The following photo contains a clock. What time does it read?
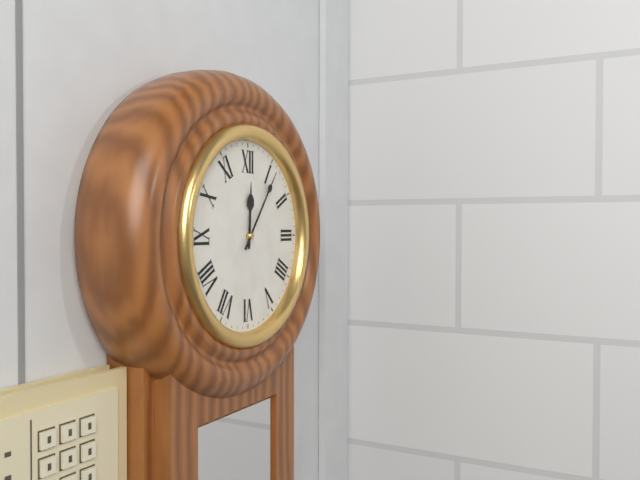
12:06
